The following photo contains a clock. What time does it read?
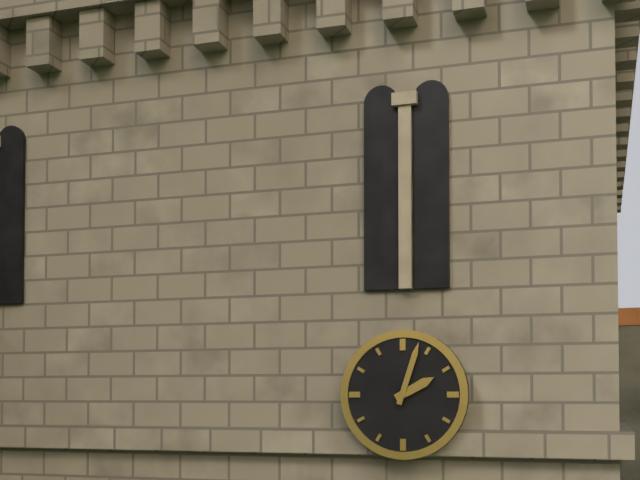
2:03
